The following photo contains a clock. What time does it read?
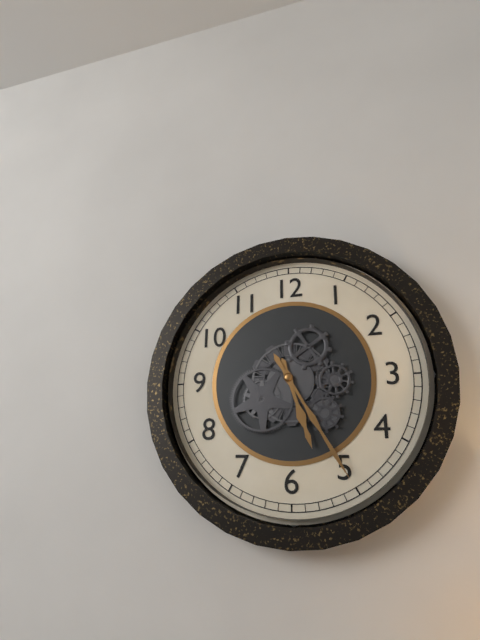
5:25
